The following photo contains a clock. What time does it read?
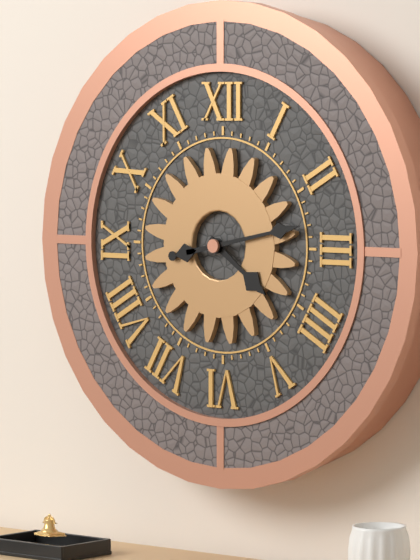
4:13
